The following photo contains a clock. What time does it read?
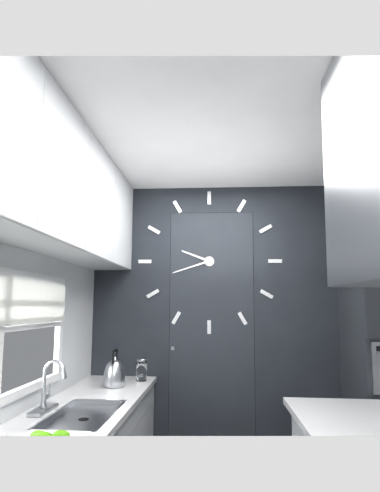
9:42
